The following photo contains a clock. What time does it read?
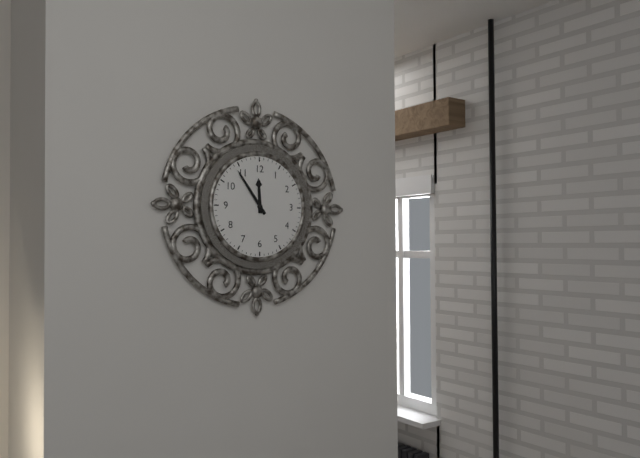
11:54
